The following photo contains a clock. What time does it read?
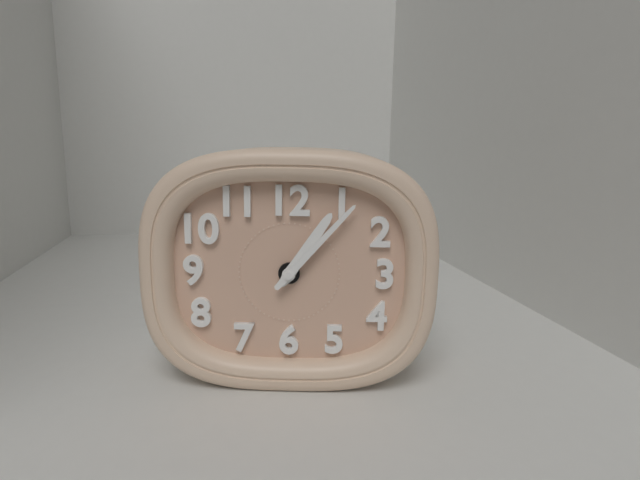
1:07
